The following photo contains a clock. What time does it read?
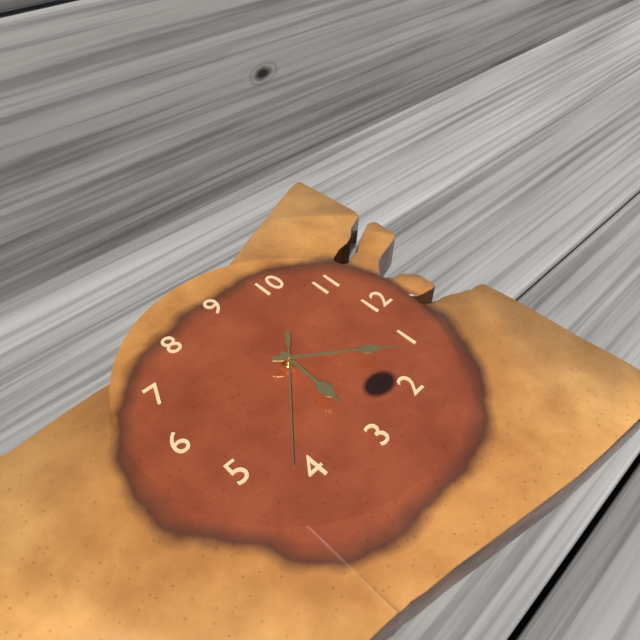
3:06:22
